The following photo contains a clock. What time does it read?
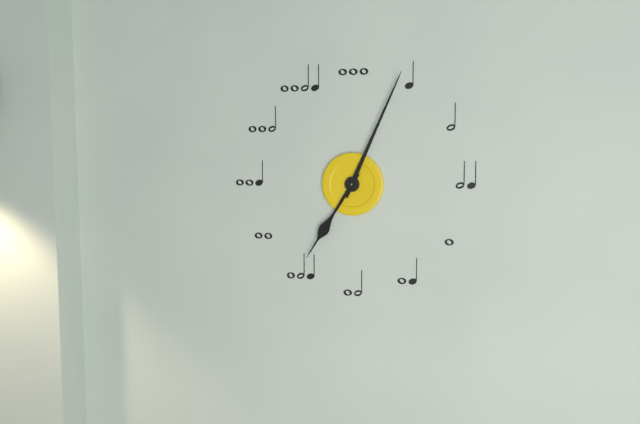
7:04
